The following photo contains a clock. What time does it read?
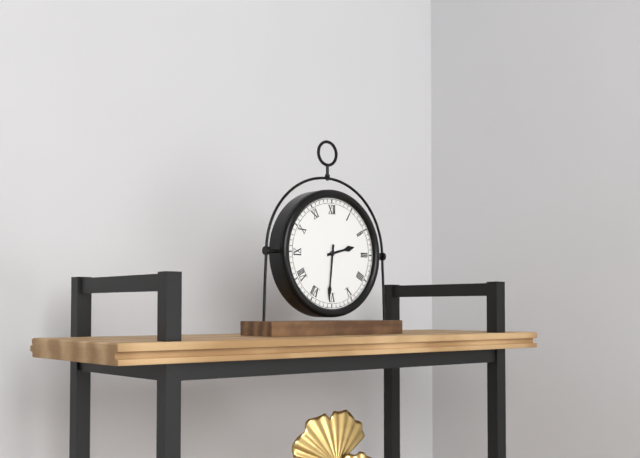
2:31
